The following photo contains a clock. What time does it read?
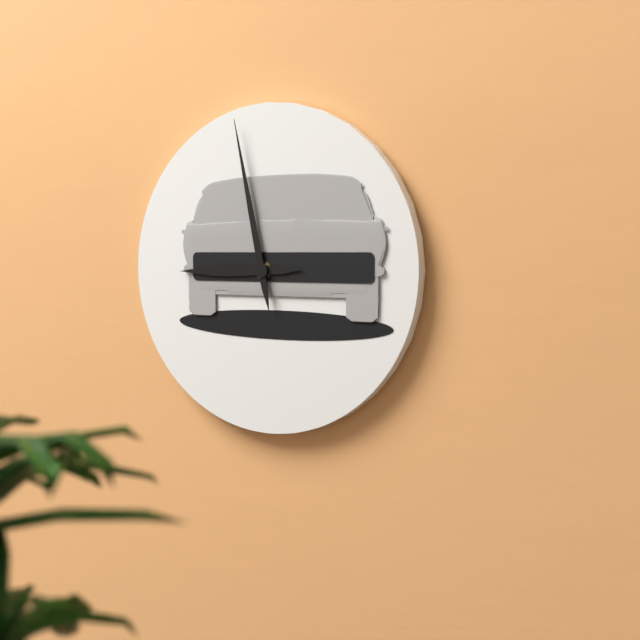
8:58
